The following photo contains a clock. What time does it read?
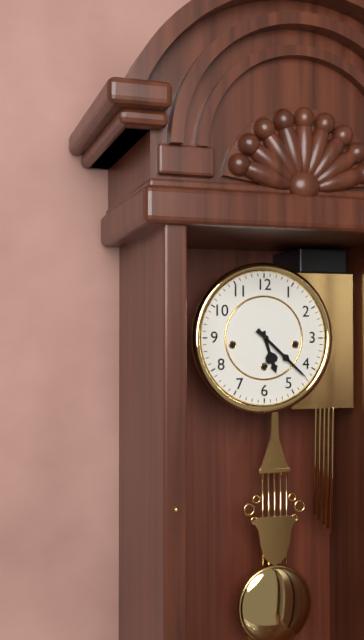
5:22
